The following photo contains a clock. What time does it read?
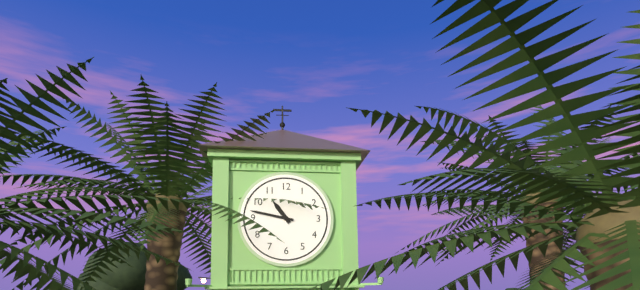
10:47
